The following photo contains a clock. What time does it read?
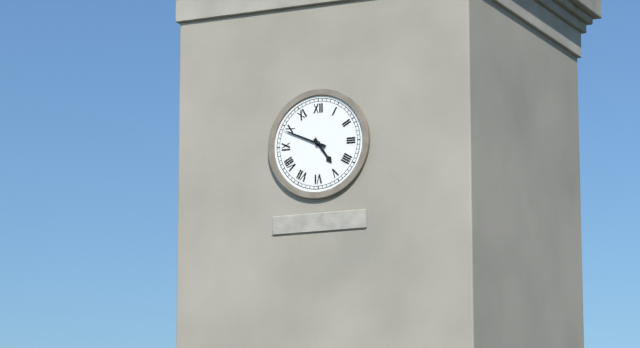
4:49
